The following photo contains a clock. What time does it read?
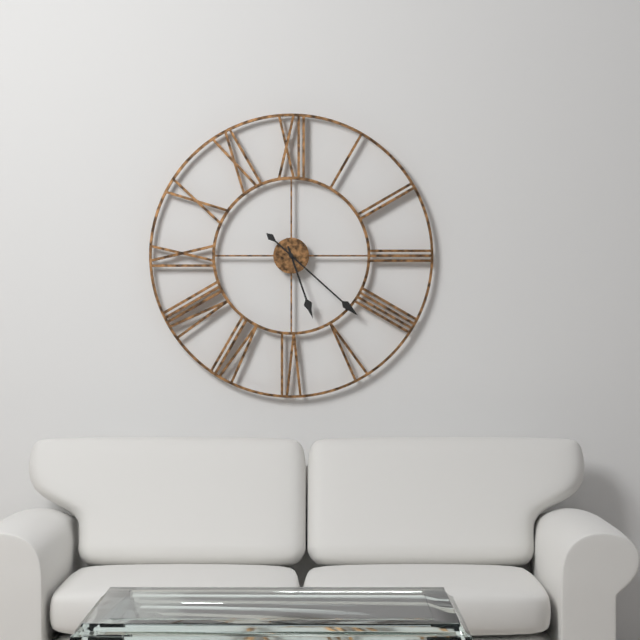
5:22
